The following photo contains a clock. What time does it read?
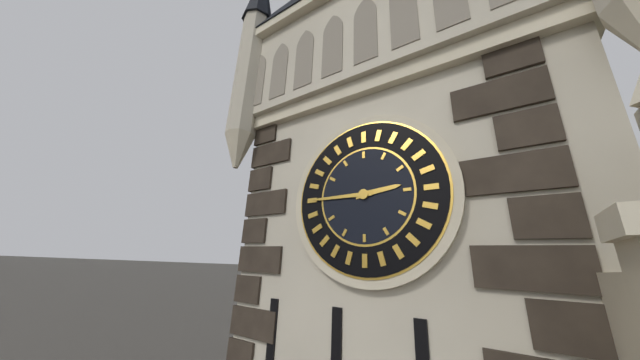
2:45
